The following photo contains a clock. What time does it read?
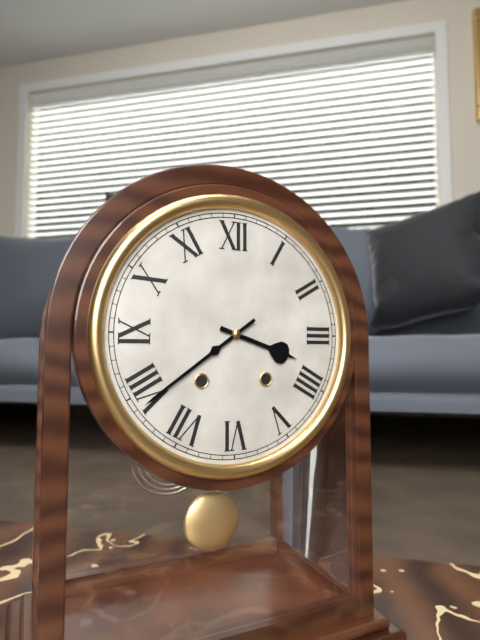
3:39
